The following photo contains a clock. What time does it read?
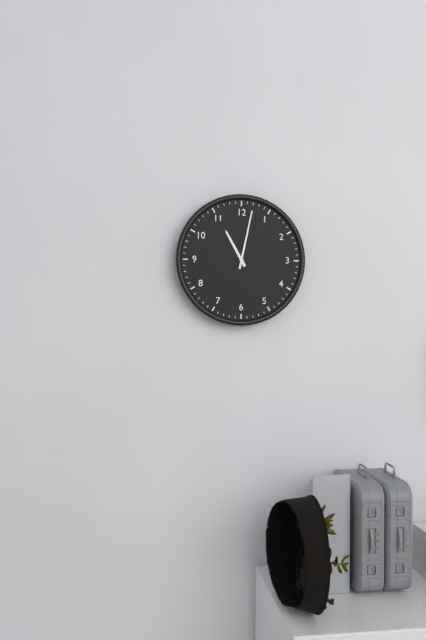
11:02
